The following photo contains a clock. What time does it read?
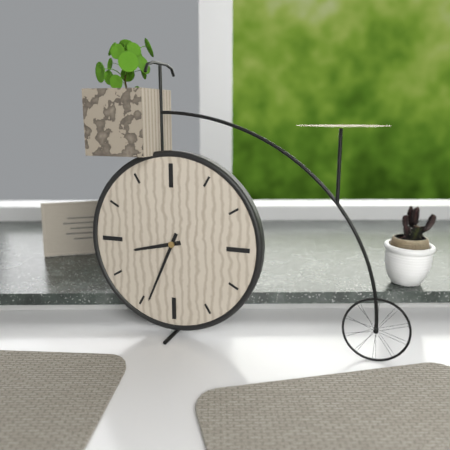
8:34
